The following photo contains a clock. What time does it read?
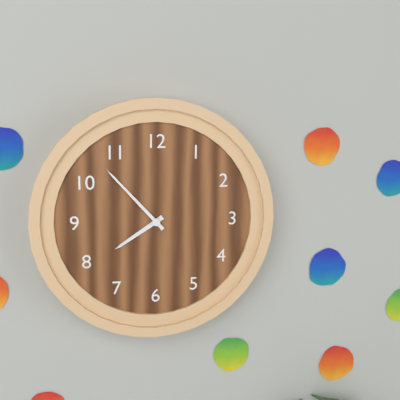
7:53
